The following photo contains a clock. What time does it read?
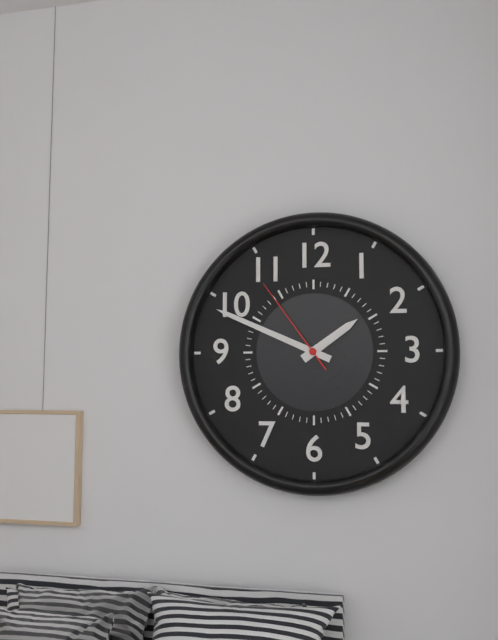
1:49:54
